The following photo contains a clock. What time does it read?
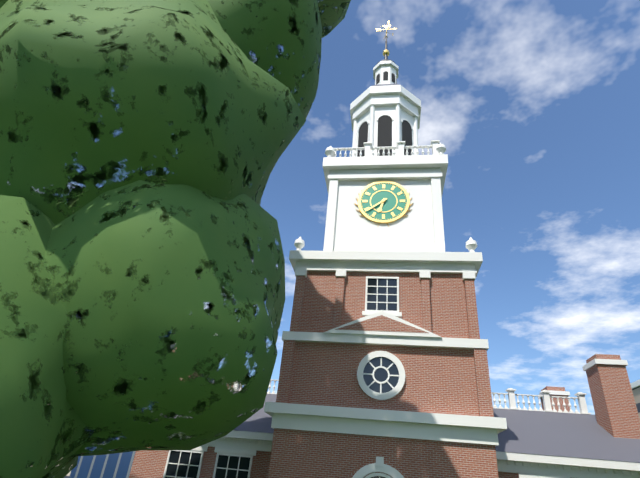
6:39
